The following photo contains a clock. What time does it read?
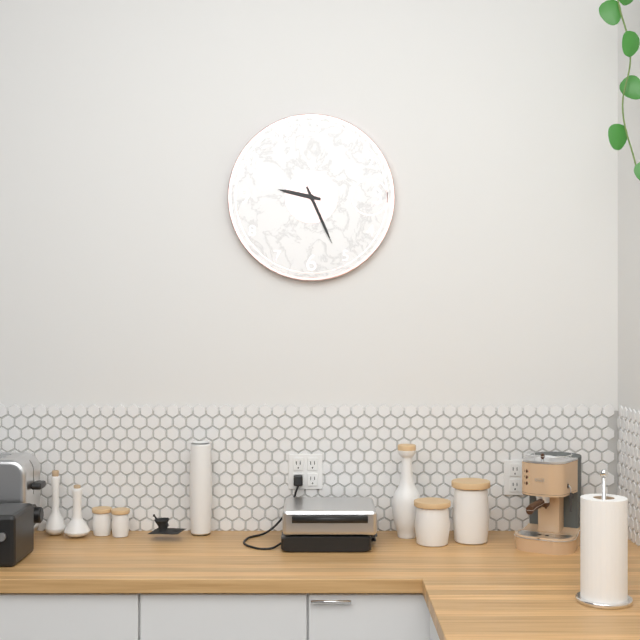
9:26
